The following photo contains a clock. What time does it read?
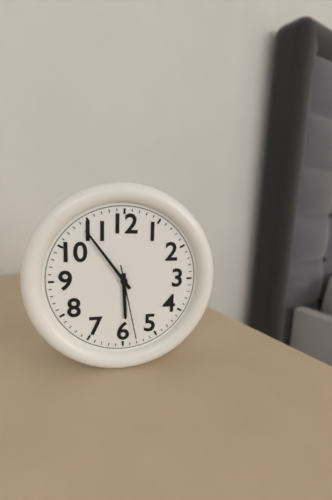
5:54:28
